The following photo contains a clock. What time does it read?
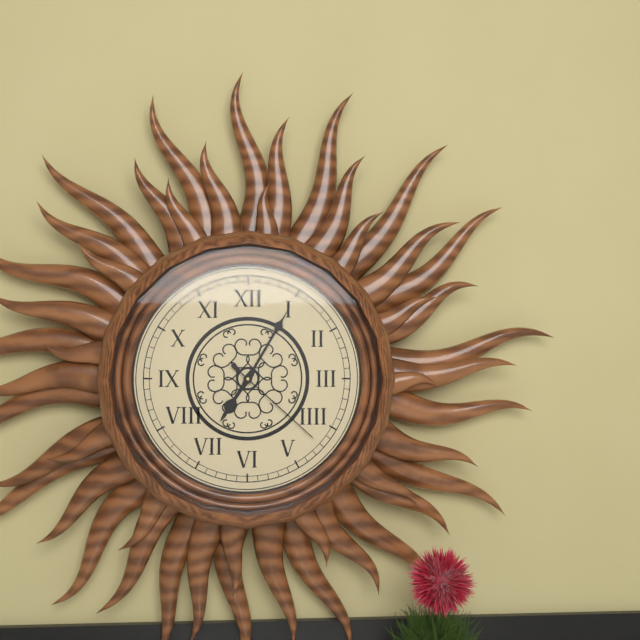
7:05:22
